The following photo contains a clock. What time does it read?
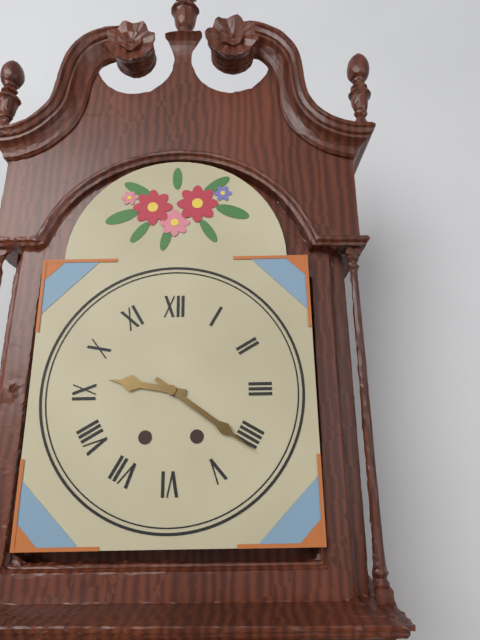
9:21
